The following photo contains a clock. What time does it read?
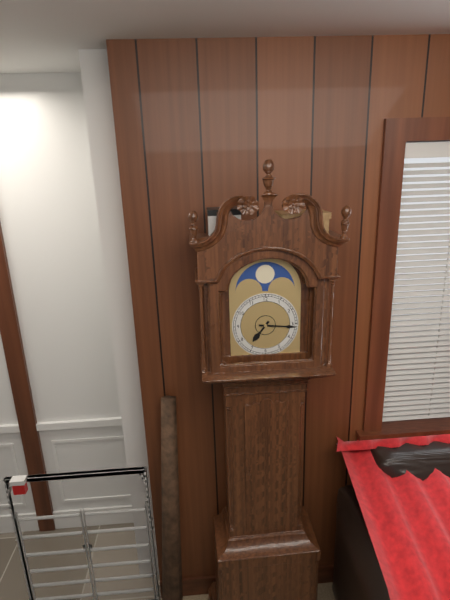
7:16
